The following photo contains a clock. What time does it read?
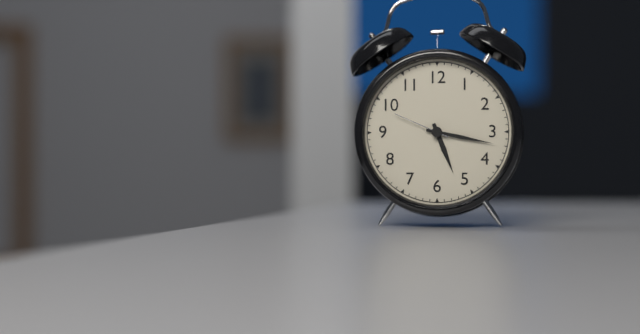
5:17:49
